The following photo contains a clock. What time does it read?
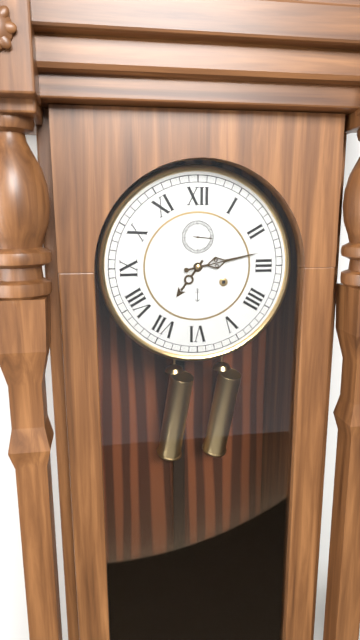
7:13
